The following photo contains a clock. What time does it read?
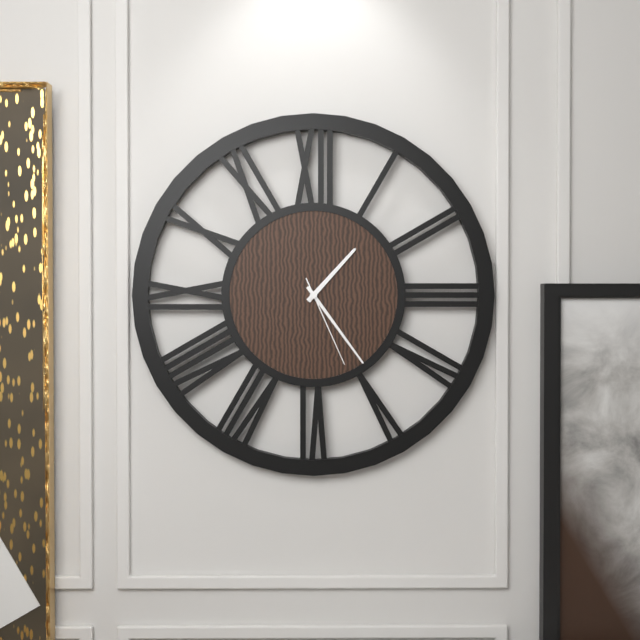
1:24:26
